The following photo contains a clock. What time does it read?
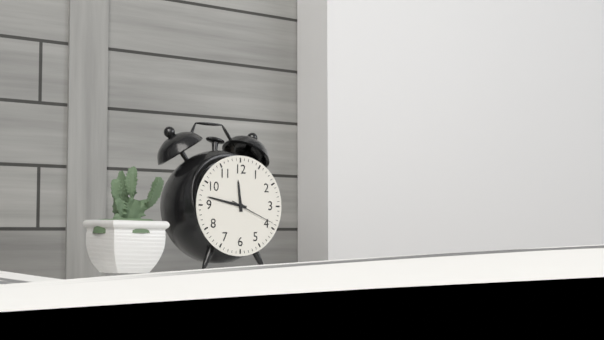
11:47
